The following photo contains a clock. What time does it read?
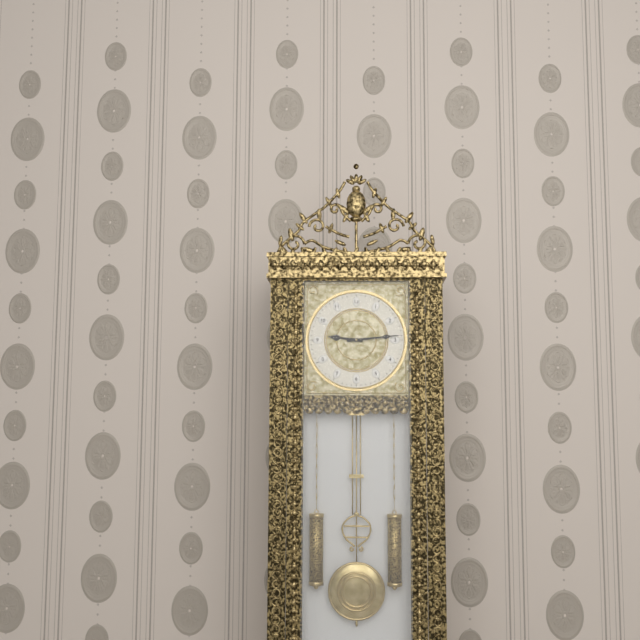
9:14
